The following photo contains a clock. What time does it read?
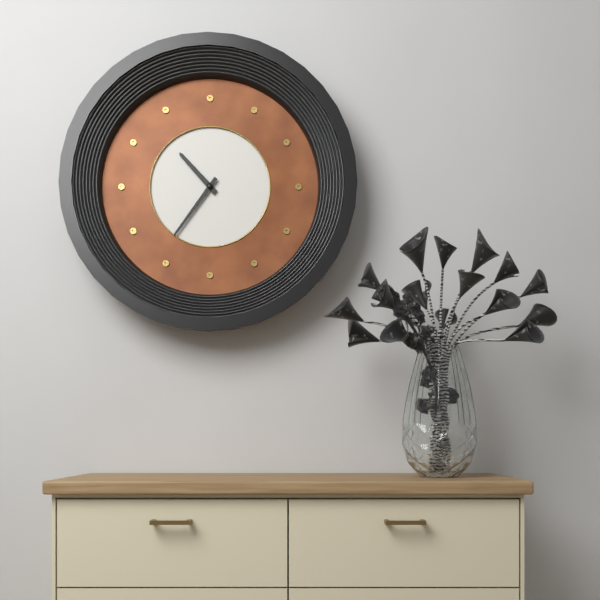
10:36
